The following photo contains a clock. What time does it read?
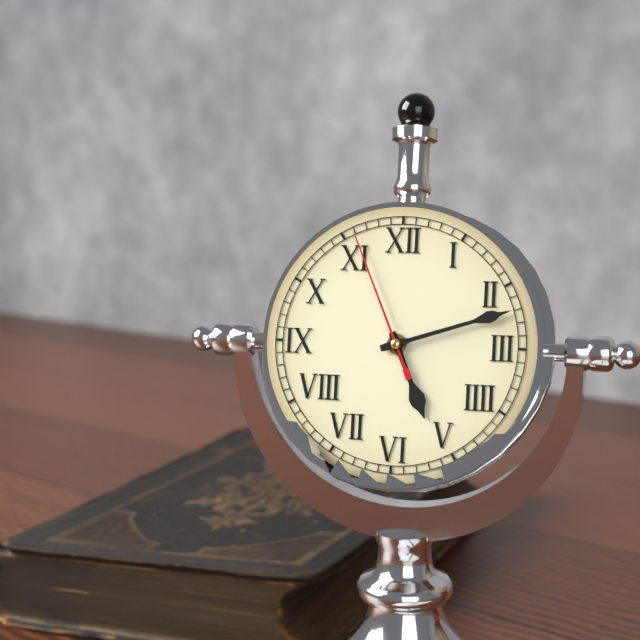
5:12:56
